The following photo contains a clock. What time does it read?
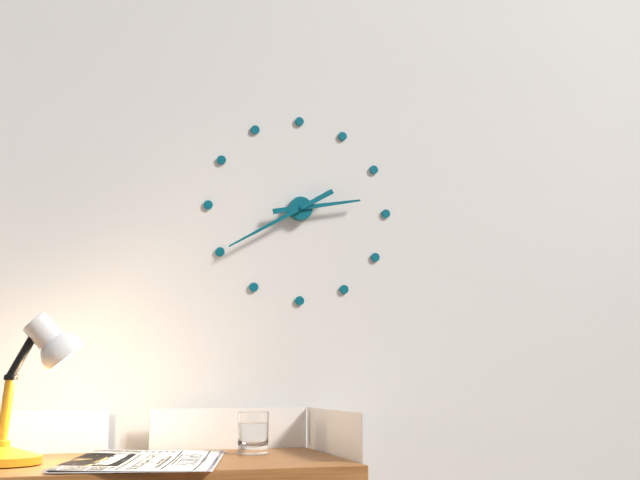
2:40
